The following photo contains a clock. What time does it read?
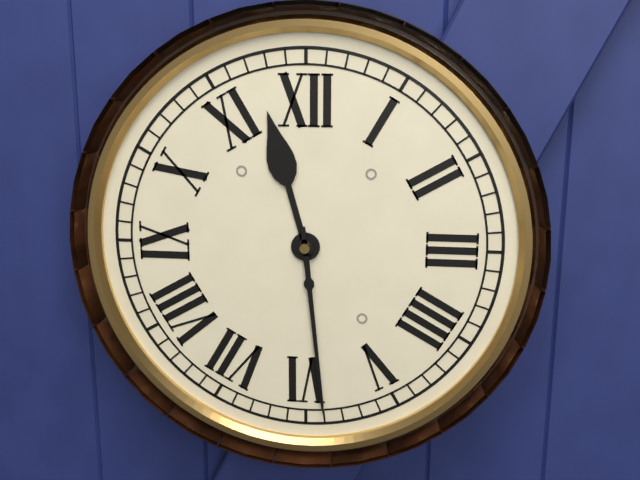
11:29
